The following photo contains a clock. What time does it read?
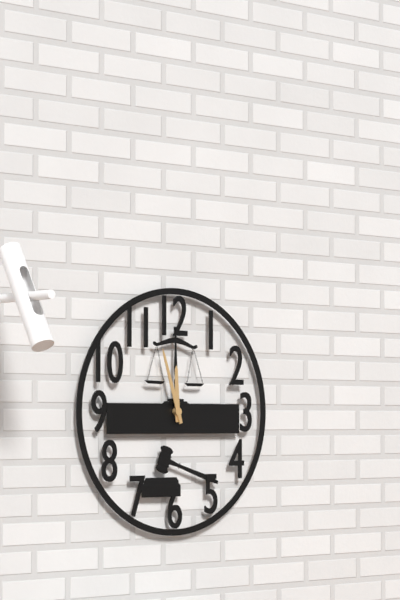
11:57
